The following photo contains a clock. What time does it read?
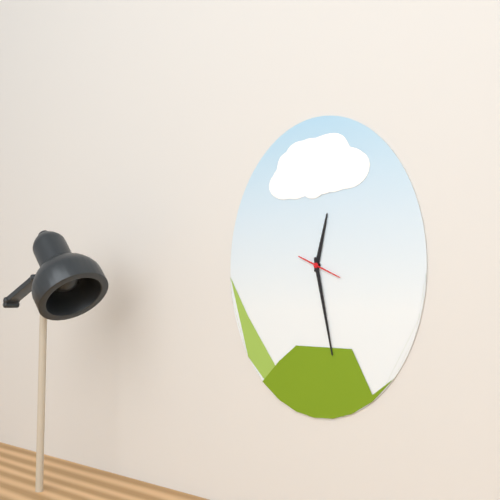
12:28
